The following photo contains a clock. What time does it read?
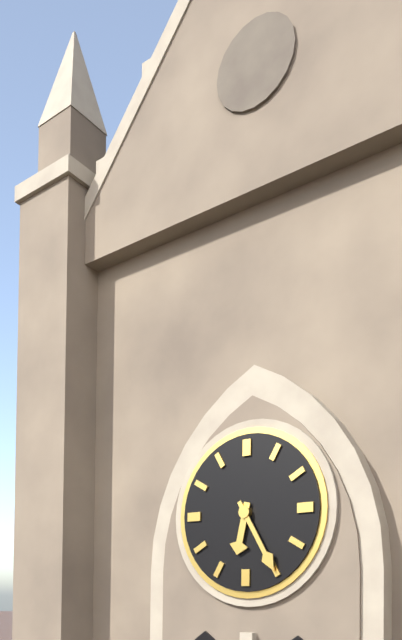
6:25
